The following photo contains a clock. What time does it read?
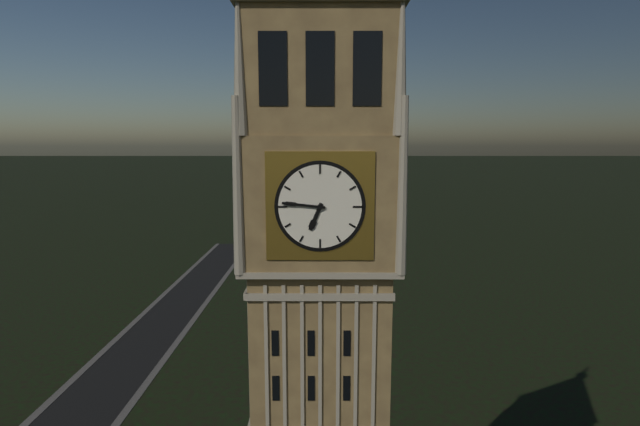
6:46
